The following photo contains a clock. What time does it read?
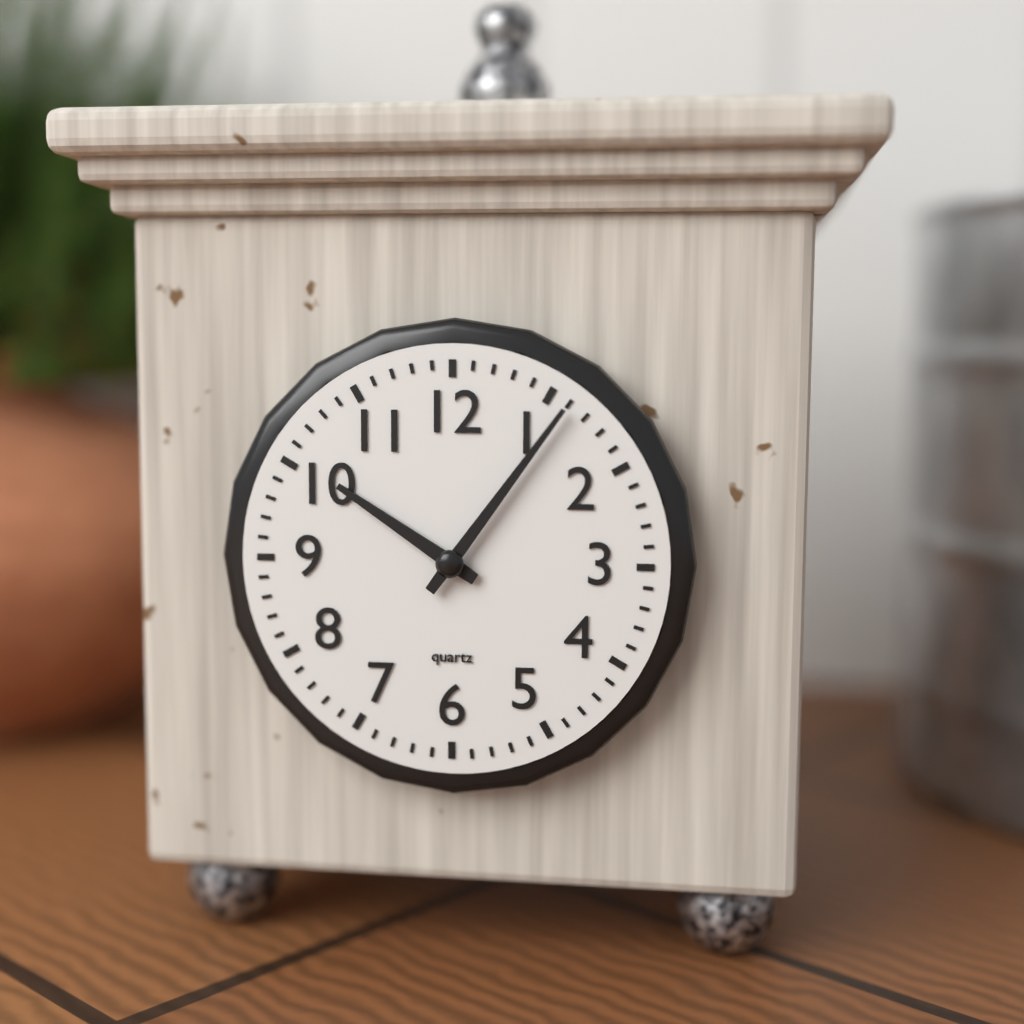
10:06
